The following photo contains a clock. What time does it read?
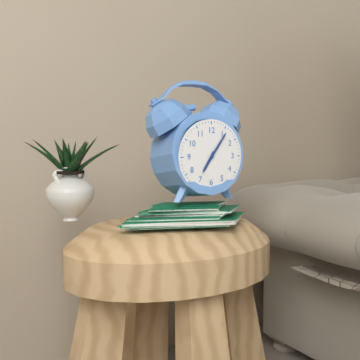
7:06
